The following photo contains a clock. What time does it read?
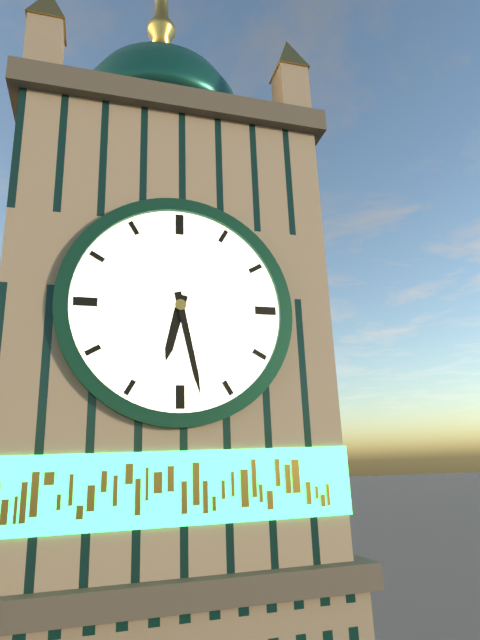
6:28
